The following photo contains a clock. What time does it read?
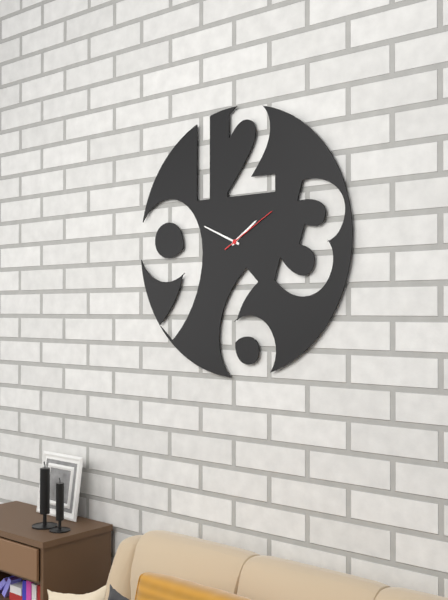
1:49:10
